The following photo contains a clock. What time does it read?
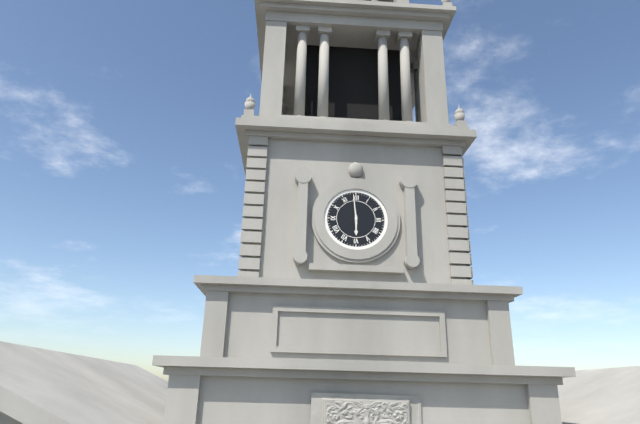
5:59
